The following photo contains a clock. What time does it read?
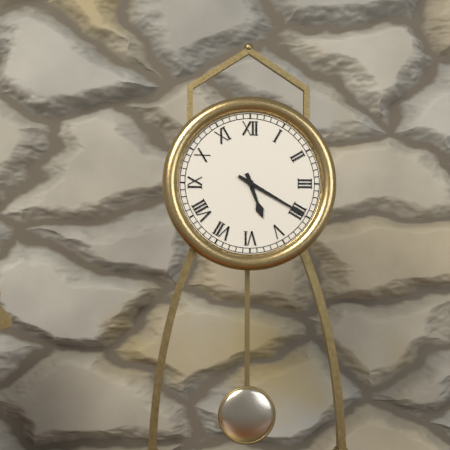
5:20
